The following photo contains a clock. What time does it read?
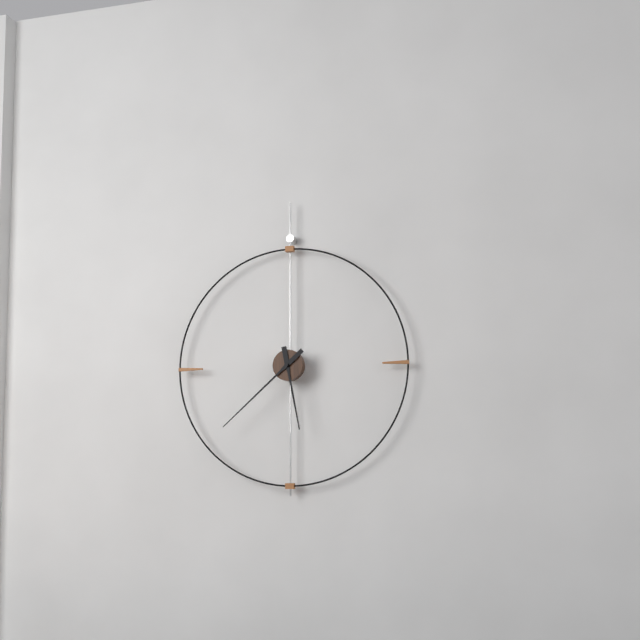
5:38
